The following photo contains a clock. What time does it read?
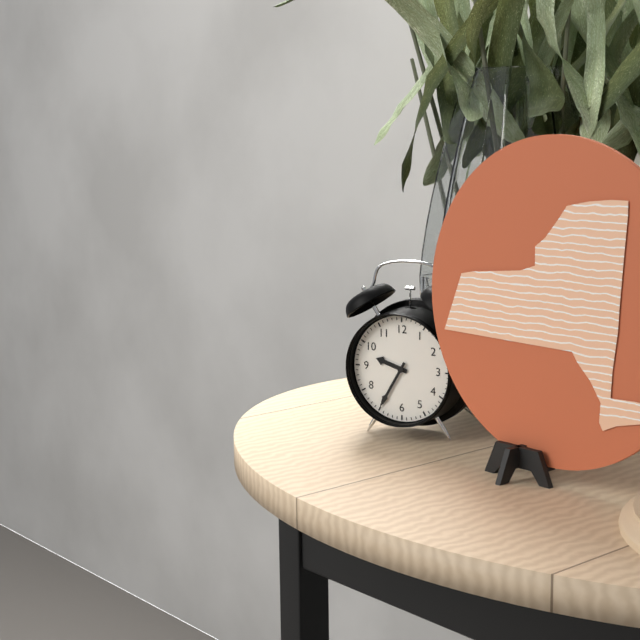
9:35
